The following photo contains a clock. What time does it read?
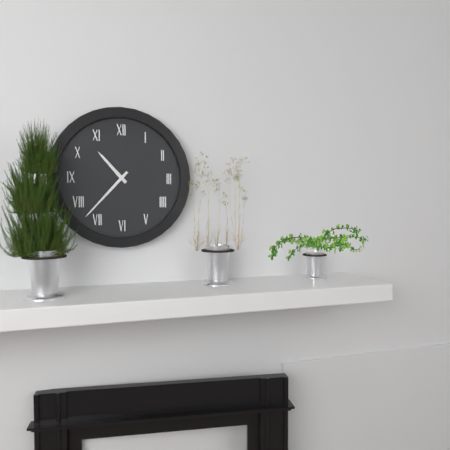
10:37
